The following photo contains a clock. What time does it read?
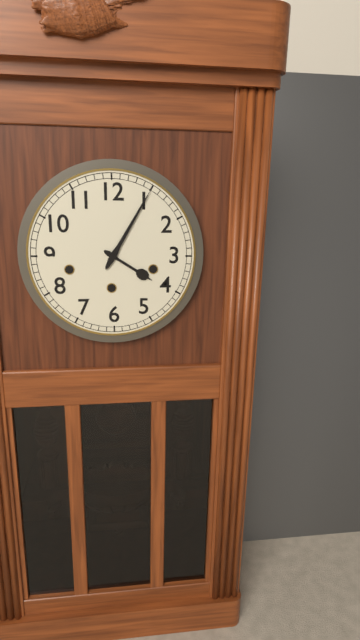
4:05
